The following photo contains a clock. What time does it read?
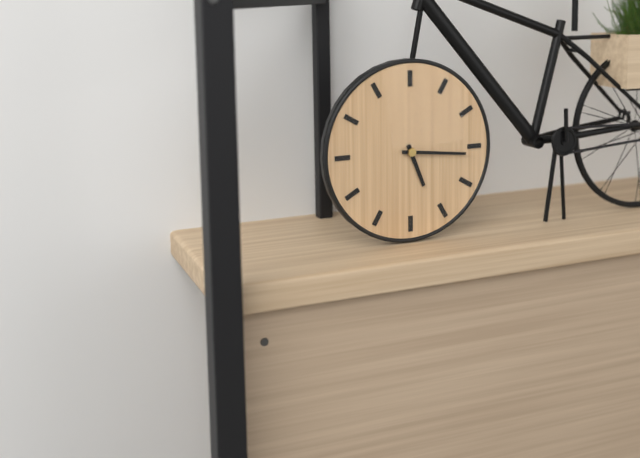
5:16
